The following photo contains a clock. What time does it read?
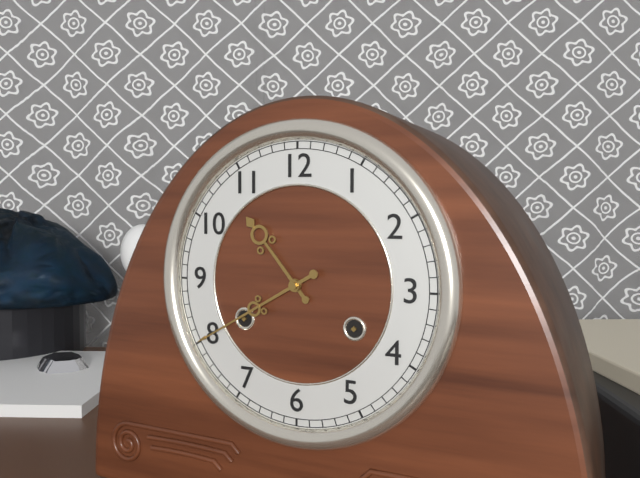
10:40
